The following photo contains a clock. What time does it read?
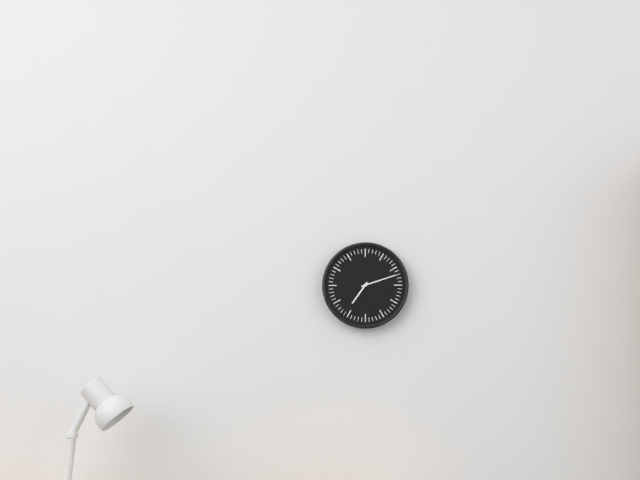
7:12
